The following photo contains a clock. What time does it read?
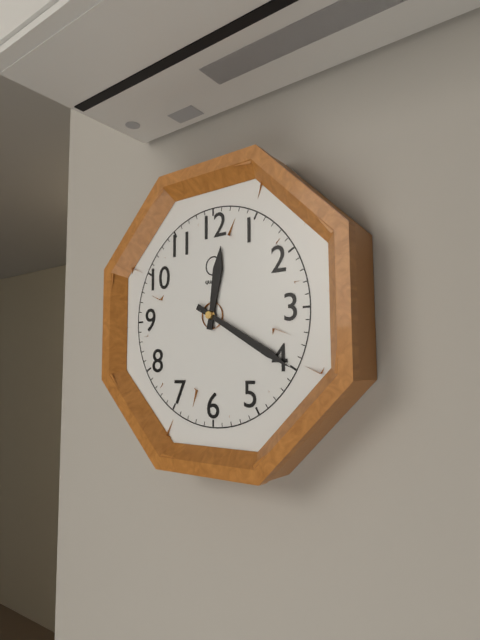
12:20
